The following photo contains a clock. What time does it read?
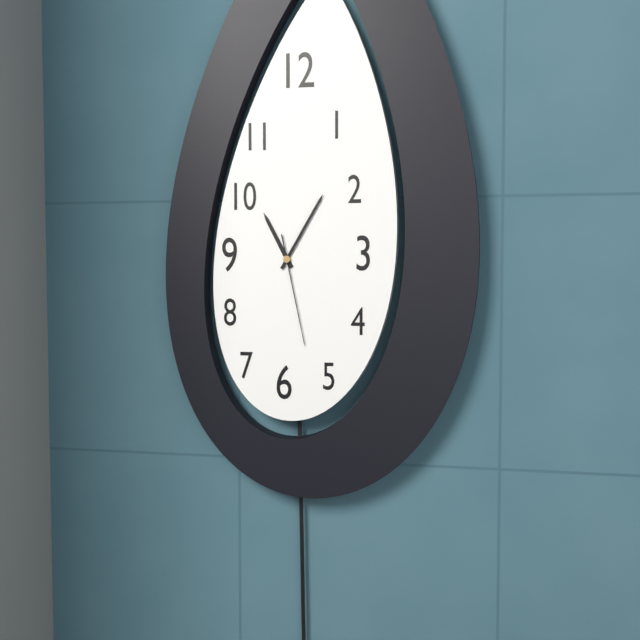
11:05:28
